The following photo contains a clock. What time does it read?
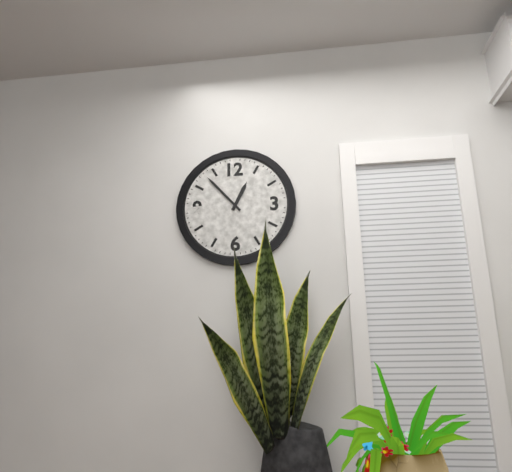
12:53
